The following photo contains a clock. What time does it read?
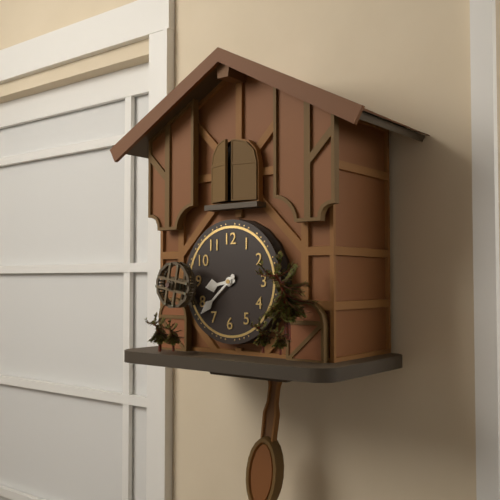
8:38
